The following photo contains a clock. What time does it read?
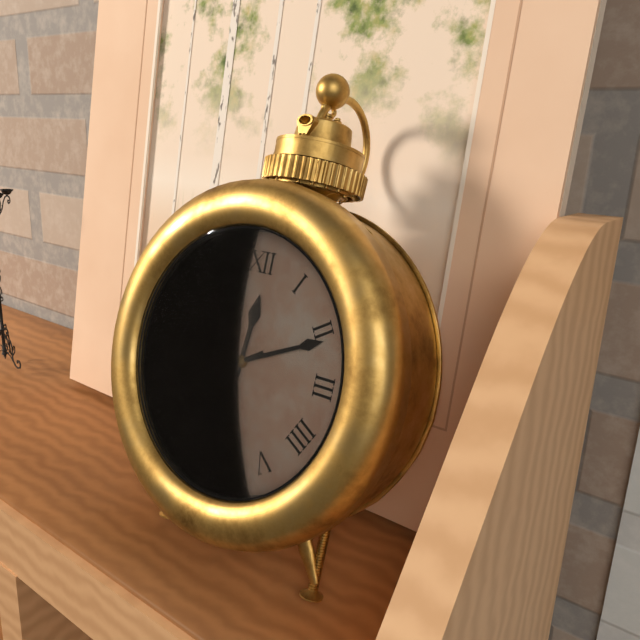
12:11:40
